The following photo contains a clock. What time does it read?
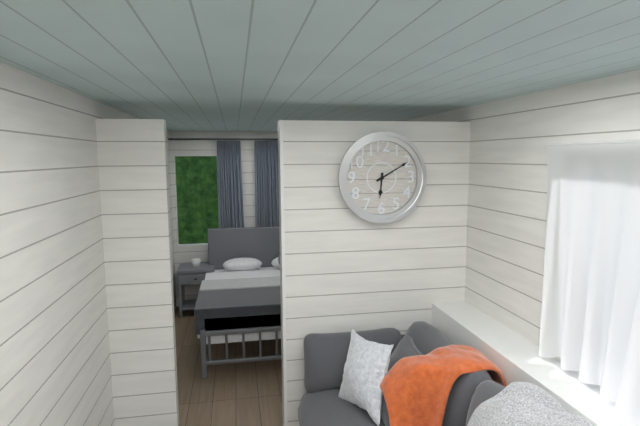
6:10
